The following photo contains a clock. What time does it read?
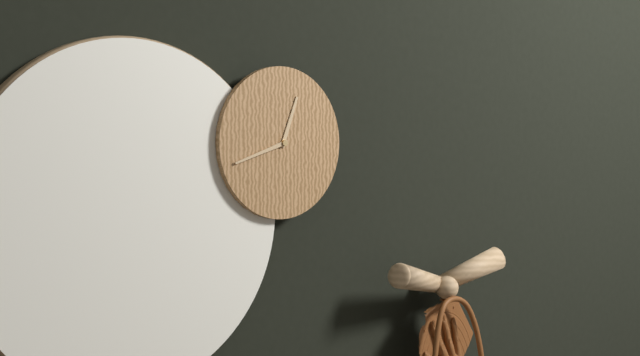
12:42
